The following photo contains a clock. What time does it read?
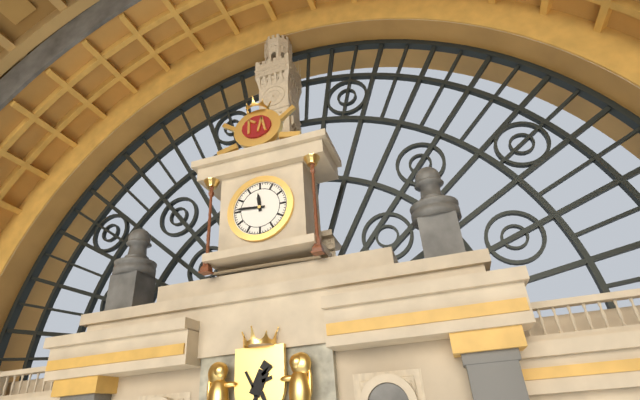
11:46
